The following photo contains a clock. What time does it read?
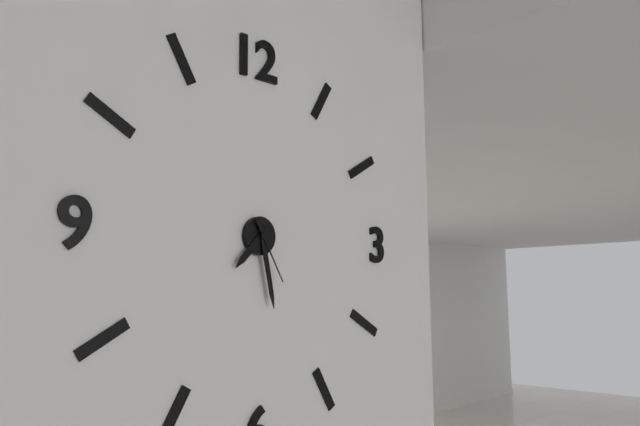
7:28:25
